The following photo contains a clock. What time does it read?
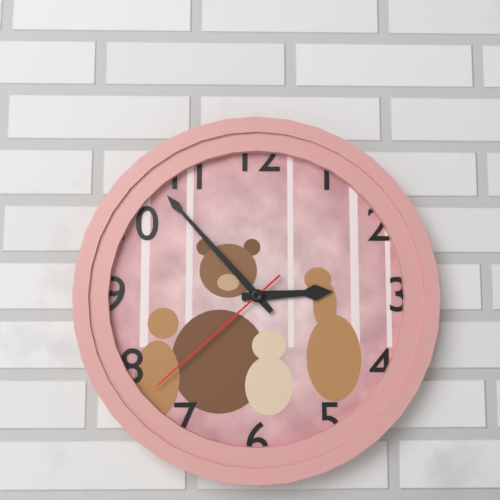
2:53:38
